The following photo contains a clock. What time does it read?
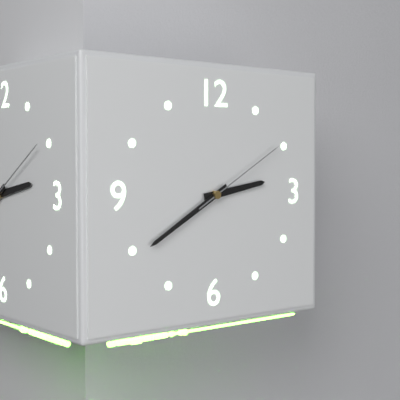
2:40:10
